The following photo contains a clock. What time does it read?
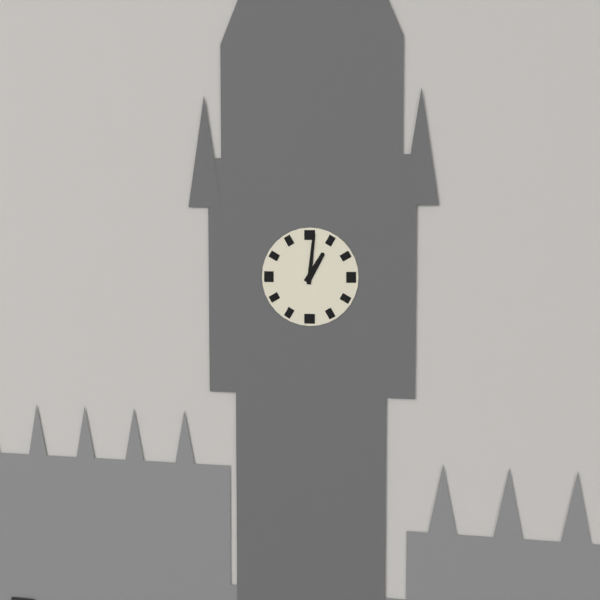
1:01
